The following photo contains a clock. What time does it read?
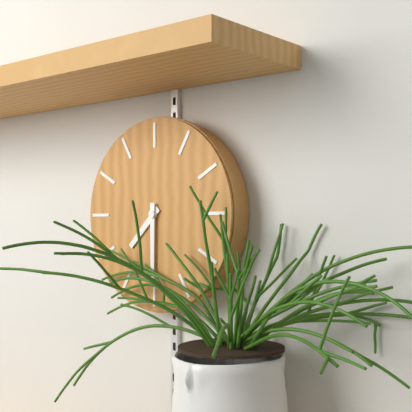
7:30
